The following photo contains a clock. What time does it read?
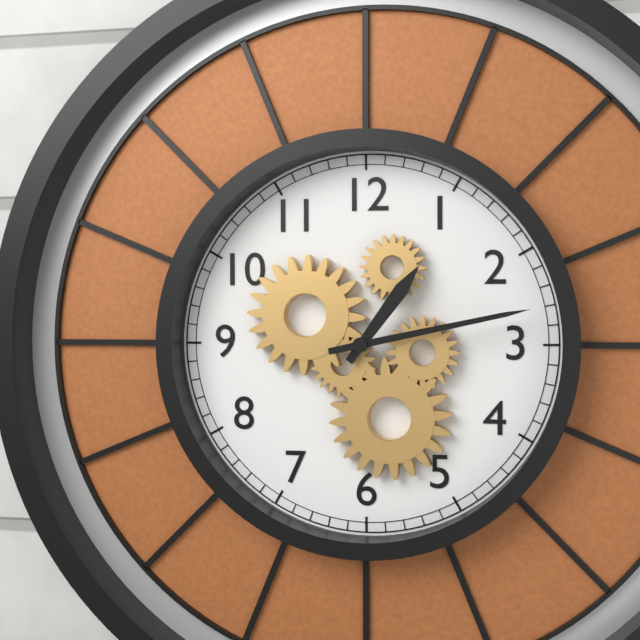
1:13
